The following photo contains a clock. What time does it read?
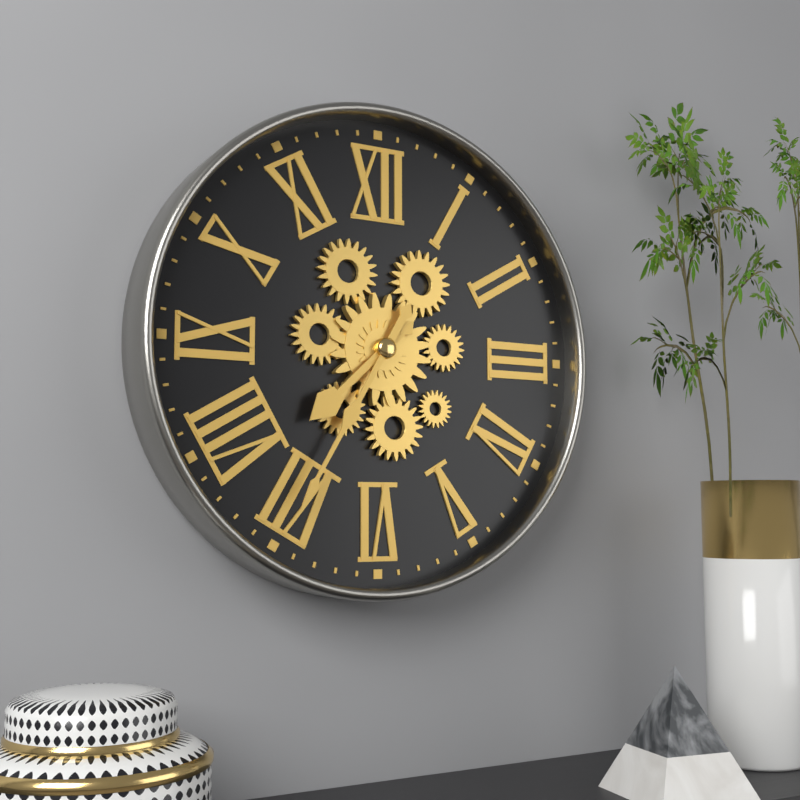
7:35
